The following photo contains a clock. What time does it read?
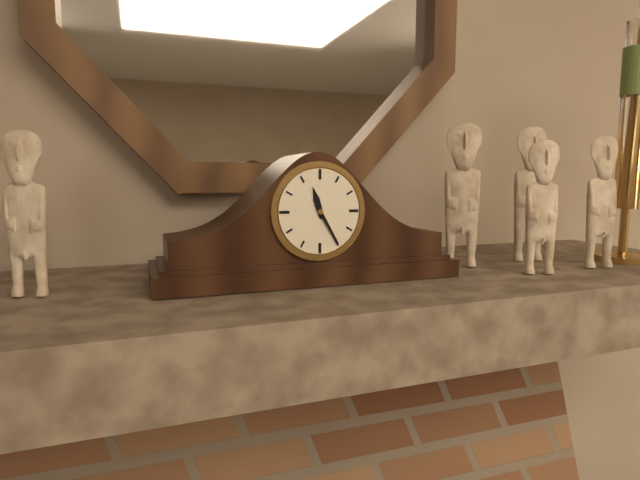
11:25
